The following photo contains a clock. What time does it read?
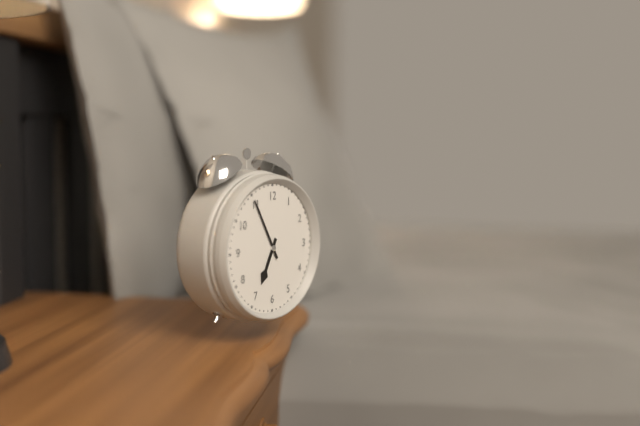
6:55
